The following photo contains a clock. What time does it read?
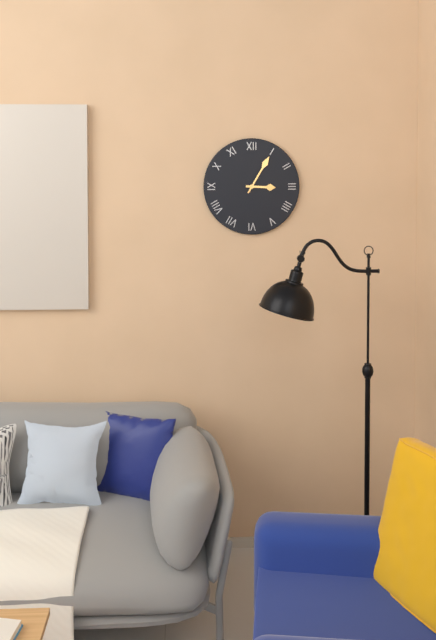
3:05
